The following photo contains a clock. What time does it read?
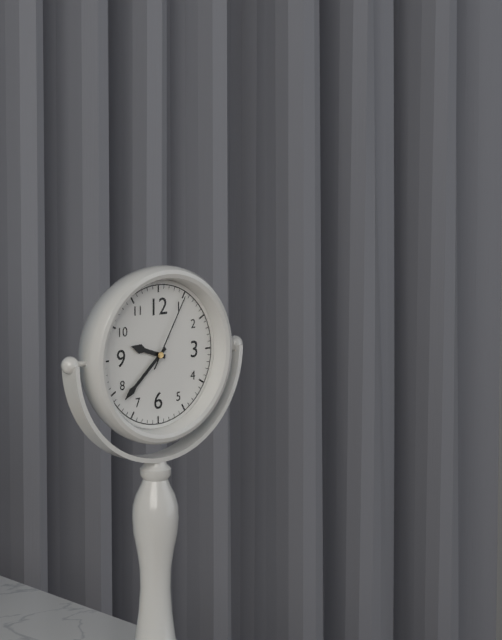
9:38:05
